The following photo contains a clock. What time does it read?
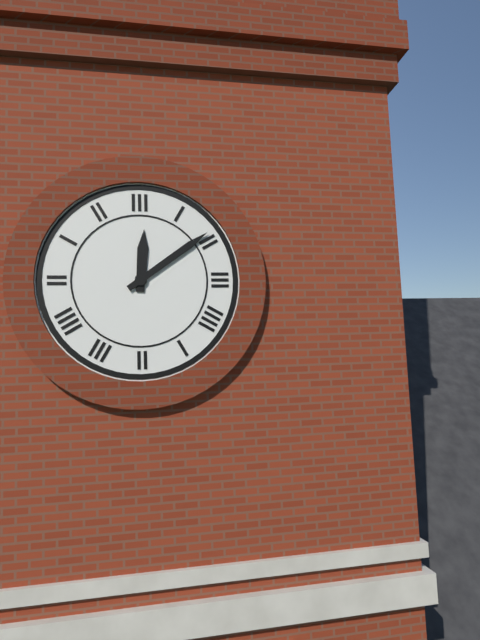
12:09
